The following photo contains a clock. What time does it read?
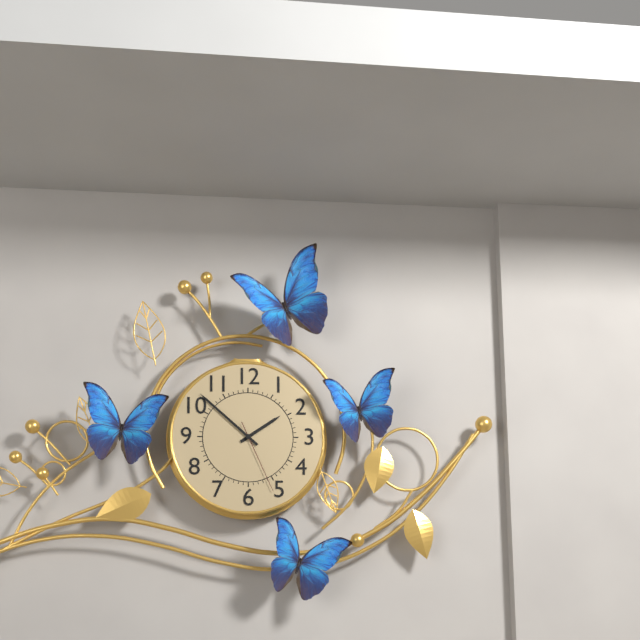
1:52:26
